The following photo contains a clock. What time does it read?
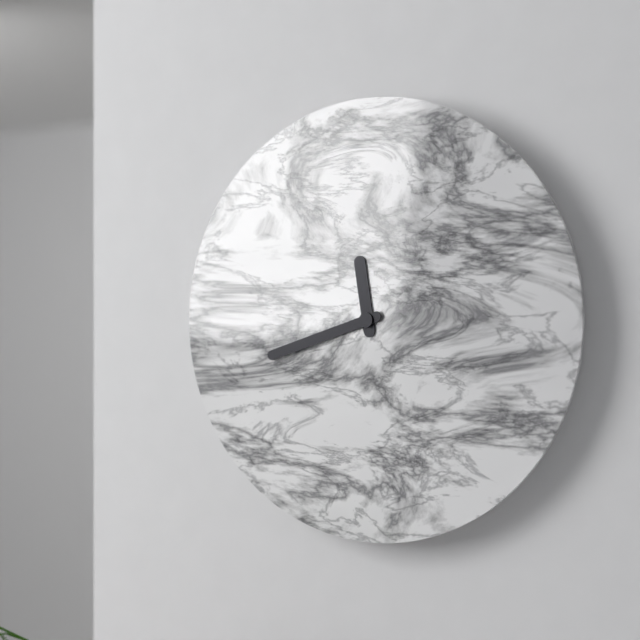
11:42
